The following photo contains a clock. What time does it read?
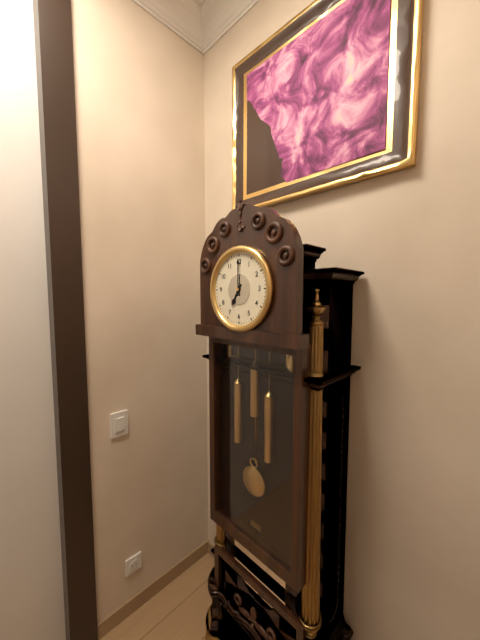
7:00
